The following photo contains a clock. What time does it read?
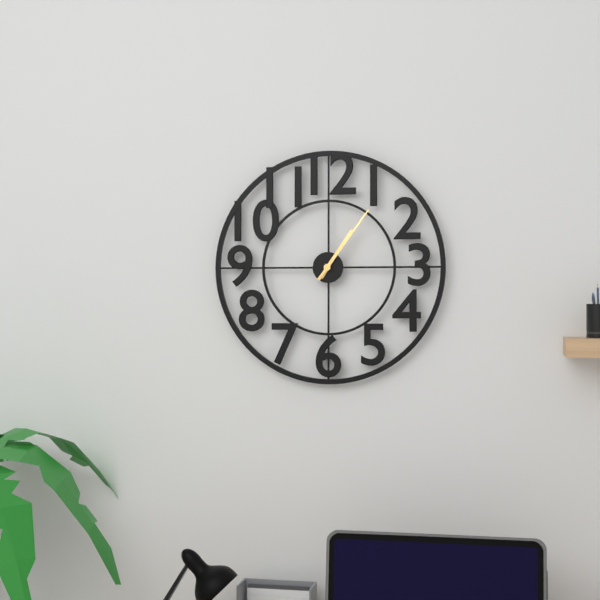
1:06
